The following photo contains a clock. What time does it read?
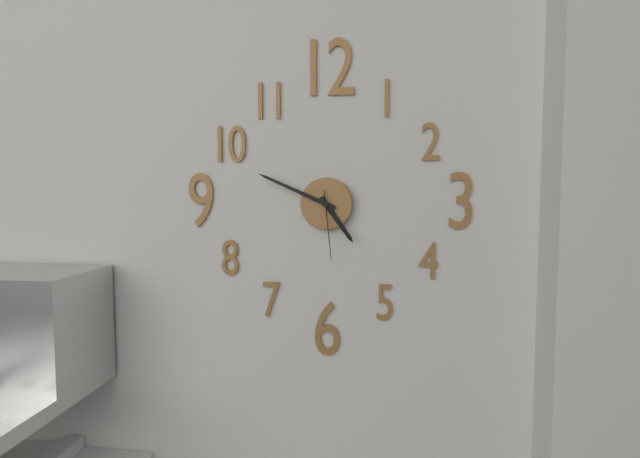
4:49:29
